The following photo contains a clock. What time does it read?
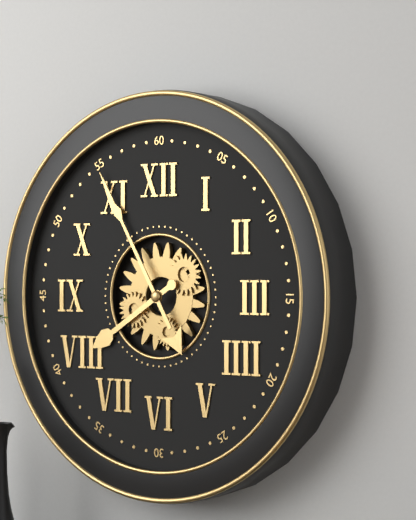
7:55
